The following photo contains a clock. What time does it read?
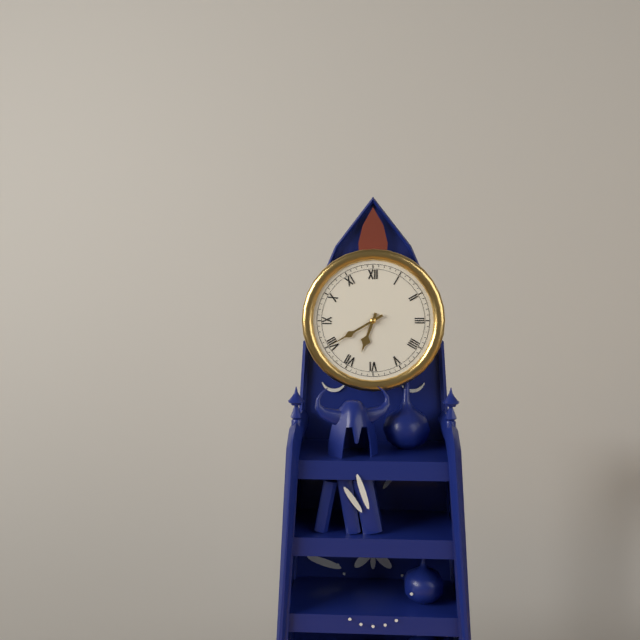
6:40
